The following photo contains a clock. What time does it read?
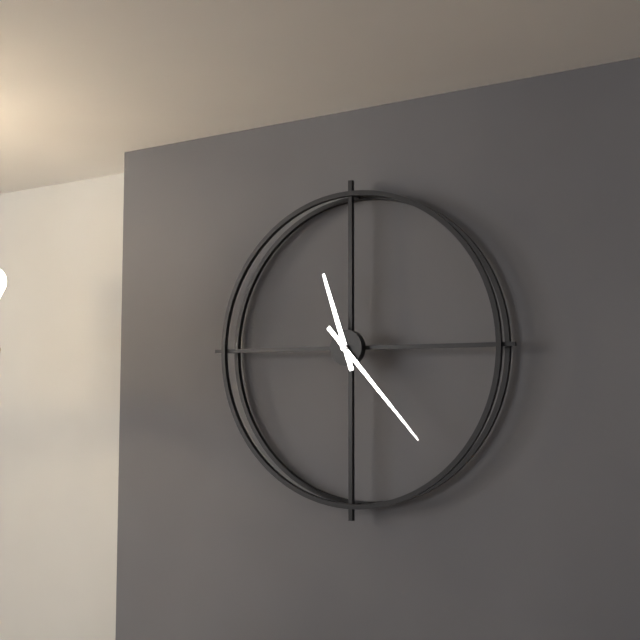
11:23
